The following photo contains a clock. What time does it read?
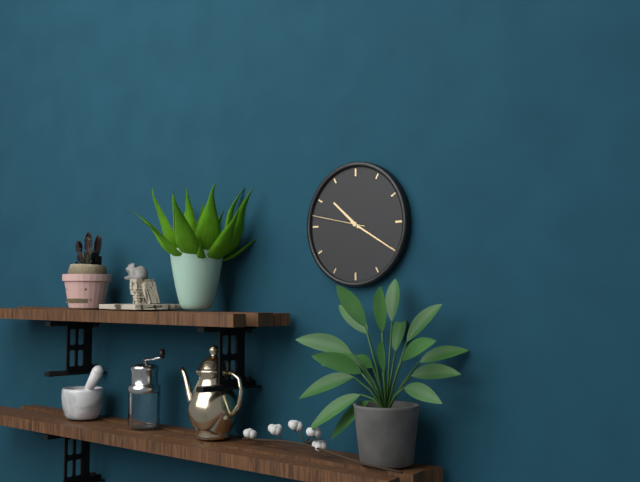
10:20:47
